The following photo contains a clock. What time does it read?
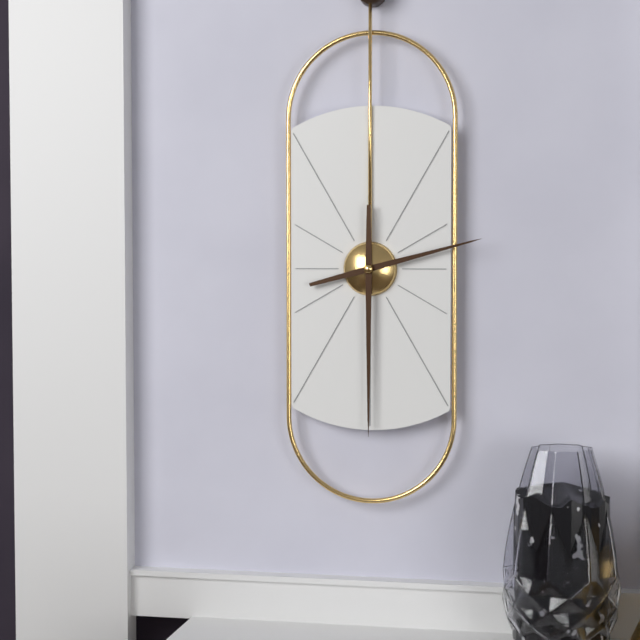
2:30
